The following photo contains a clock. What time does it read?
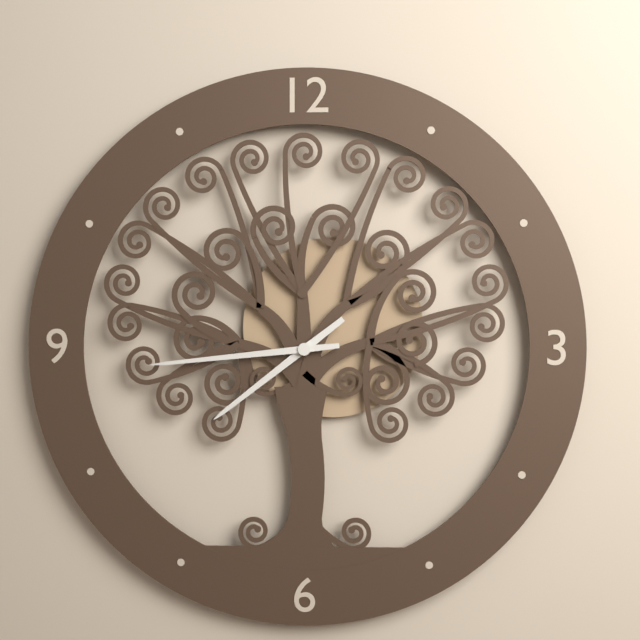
7:44
